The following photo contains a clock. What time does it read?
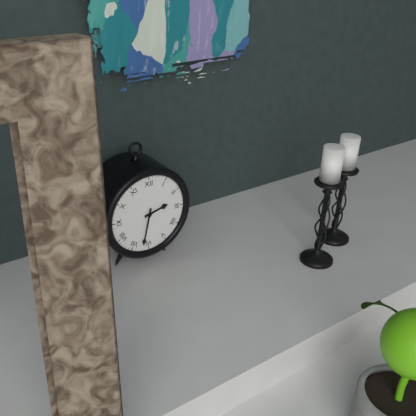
2:32
